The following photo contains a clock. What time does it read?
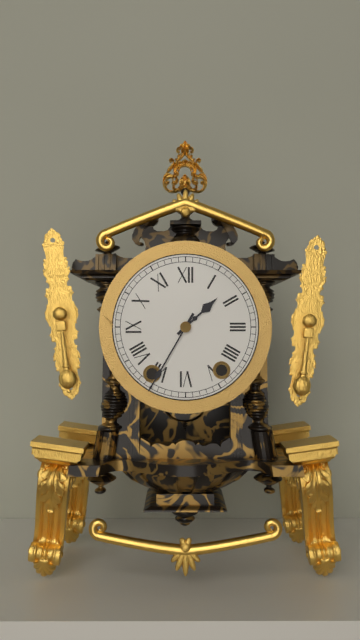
1:35
